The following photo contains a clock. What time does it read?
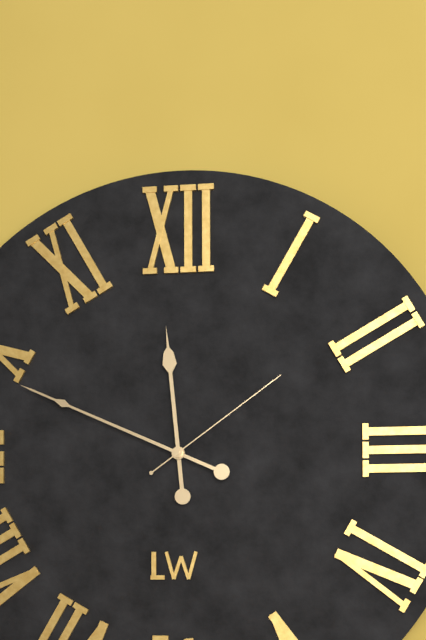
11:49:09
